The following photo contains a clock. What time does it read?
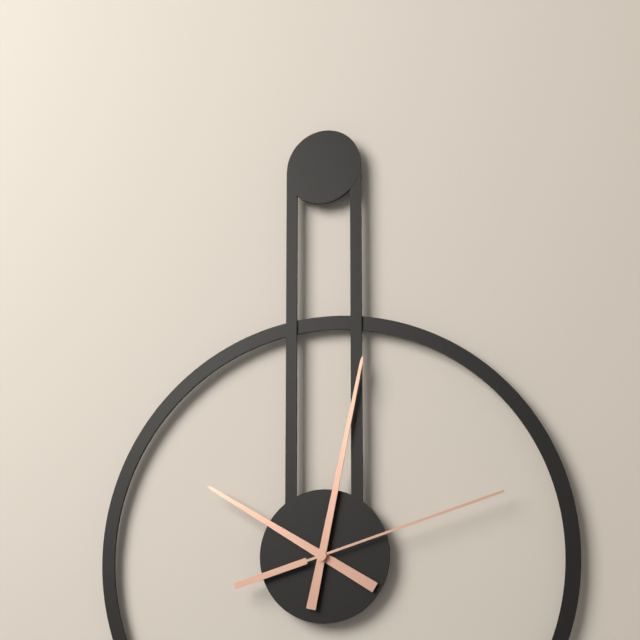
10:02:12
